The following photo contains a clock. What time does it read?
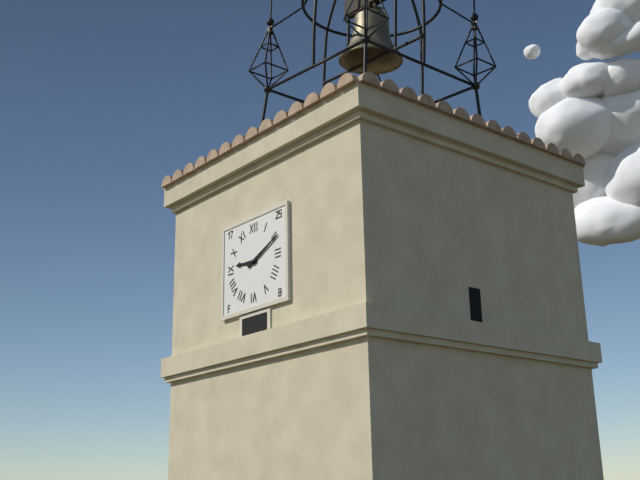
9:11
